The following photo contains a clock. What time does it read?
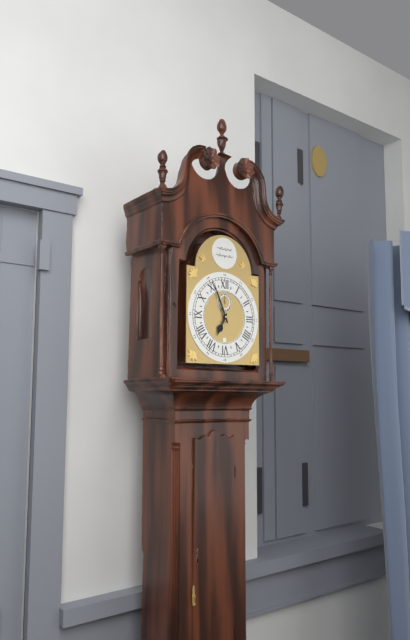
6:56
